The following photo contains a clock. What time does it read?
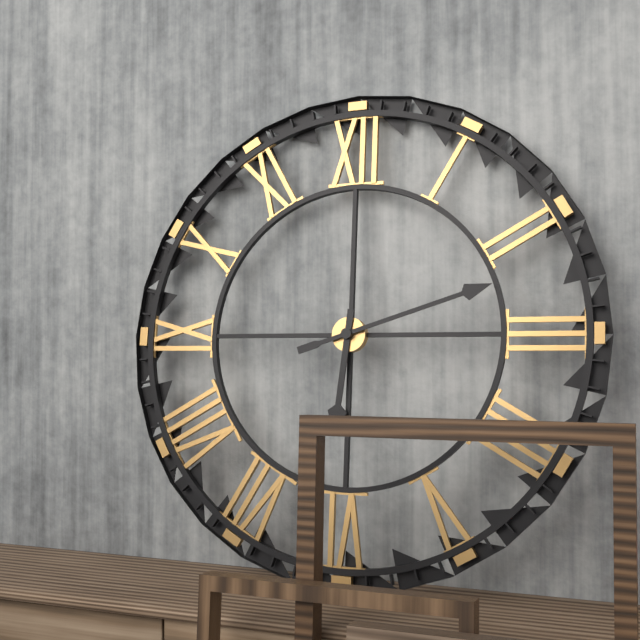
6:12
